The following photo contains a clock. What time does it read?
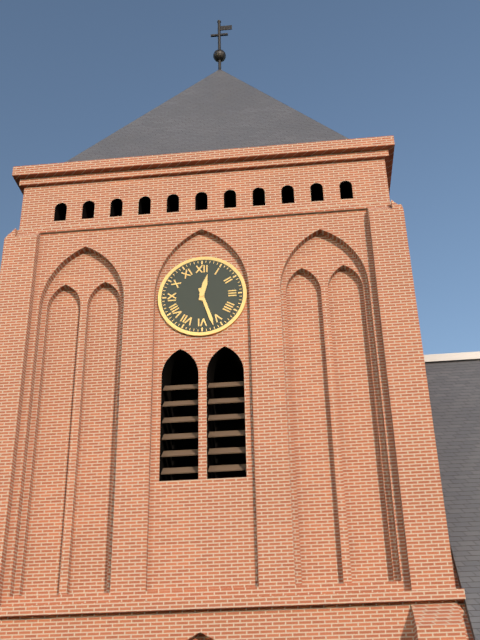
12:27
